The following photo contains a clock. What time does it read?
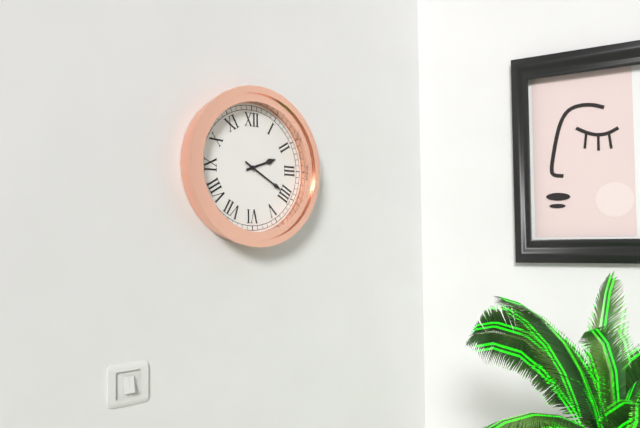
2:20
